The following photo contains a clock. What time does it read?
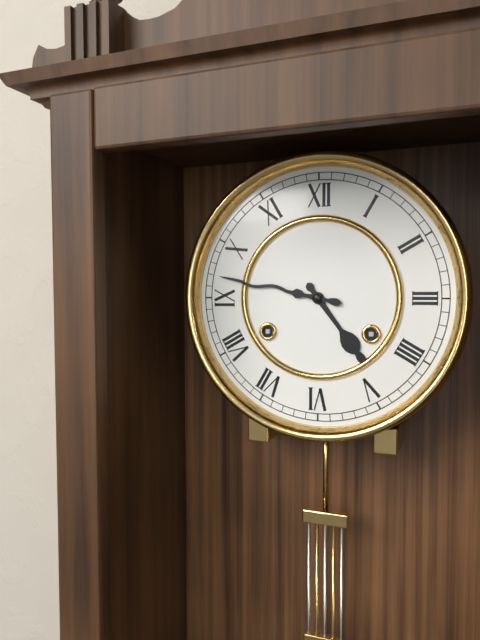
4:47
